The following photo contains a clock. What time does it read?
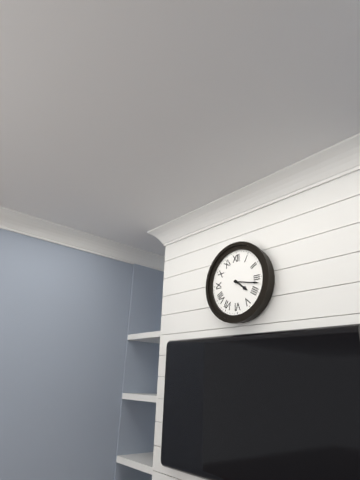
4:17
